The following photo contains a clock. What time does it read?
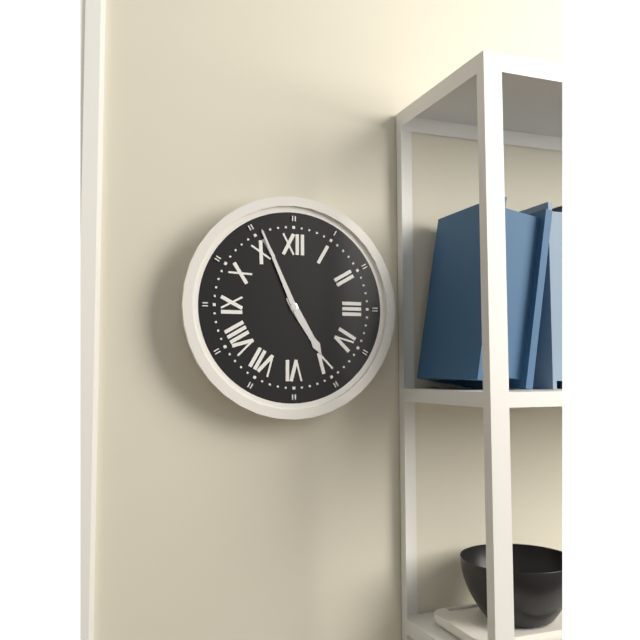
4:56
